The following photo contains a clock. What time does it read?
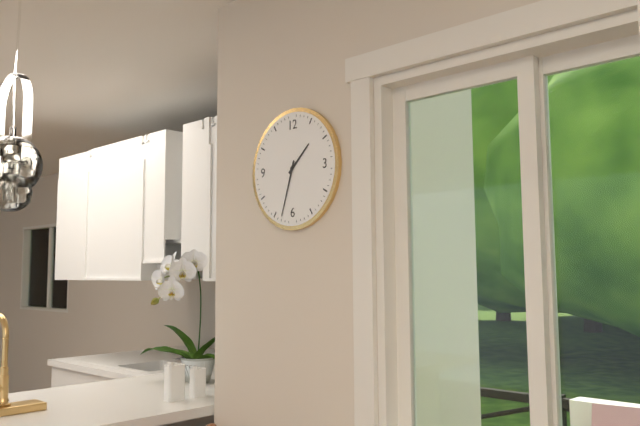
1:33
